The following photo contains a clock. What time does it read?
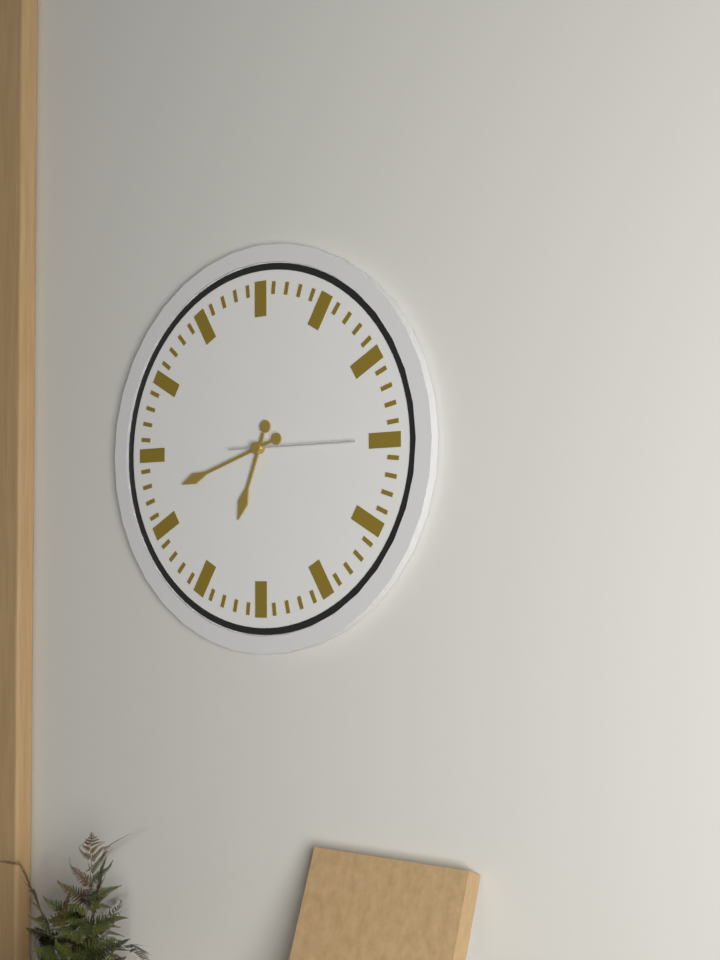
6:42:15
